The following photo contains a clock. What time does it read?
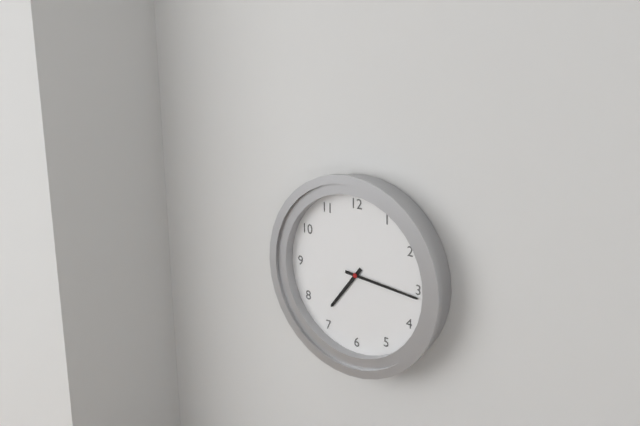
7:16
